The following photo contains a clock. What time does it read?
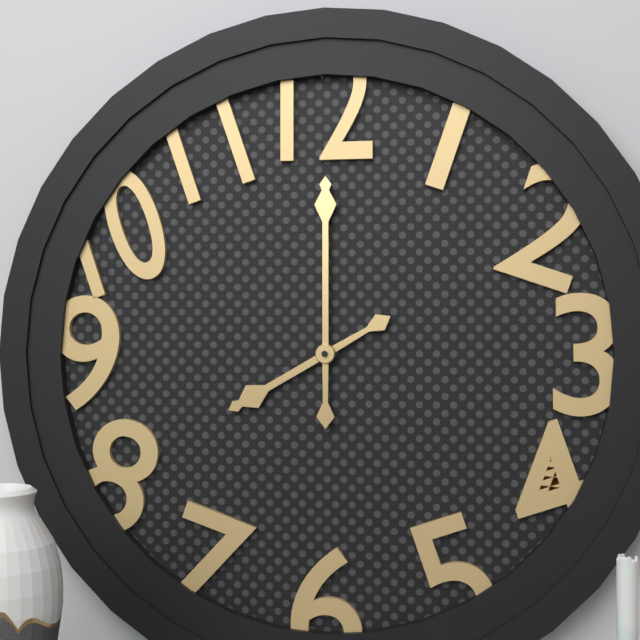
8:00
